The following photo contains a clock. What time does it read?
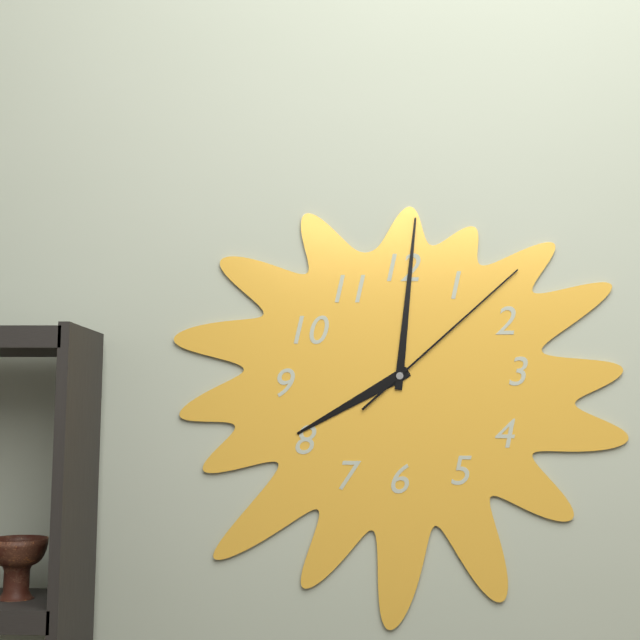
8:01:08
